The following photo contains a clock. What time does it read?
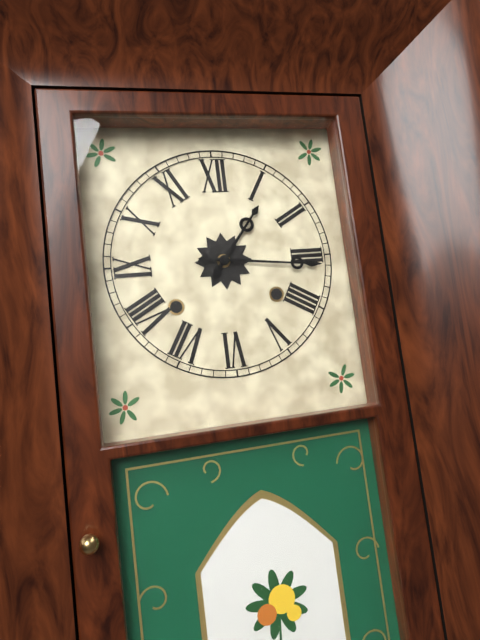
1:16
